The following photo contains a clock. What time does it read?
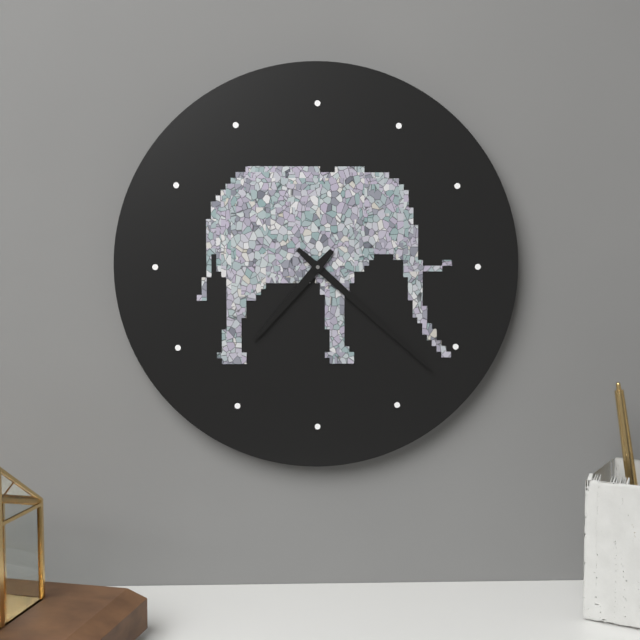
7:22
